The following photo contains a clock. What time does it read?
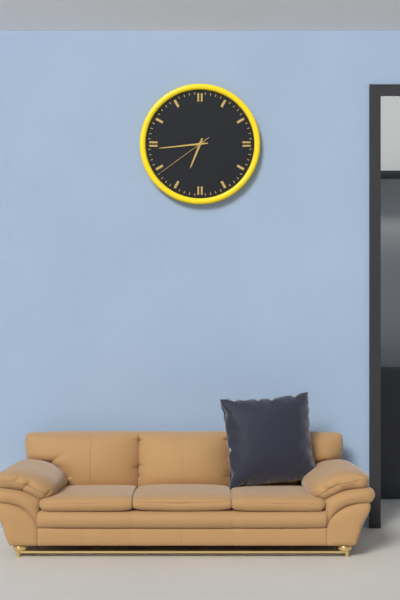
6:44:39
